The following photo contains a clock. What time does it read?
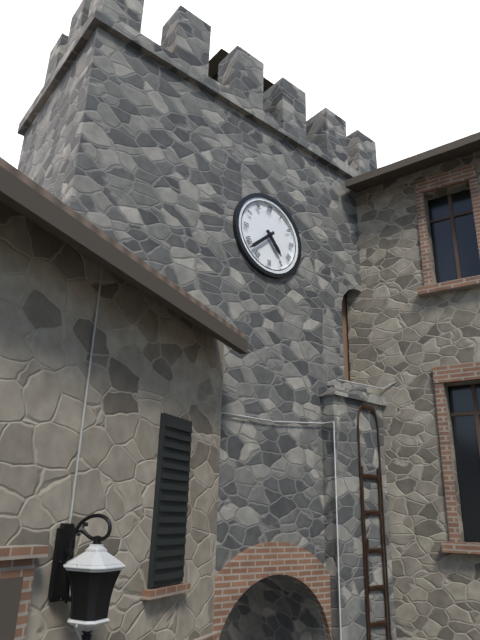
4:38
